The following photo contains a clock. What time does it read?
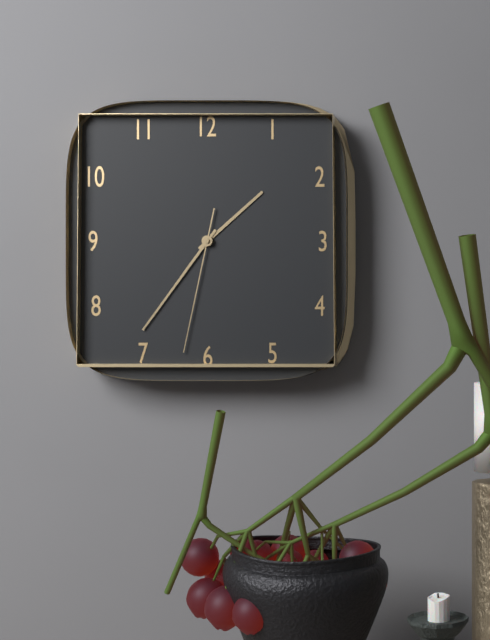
1:36:32
